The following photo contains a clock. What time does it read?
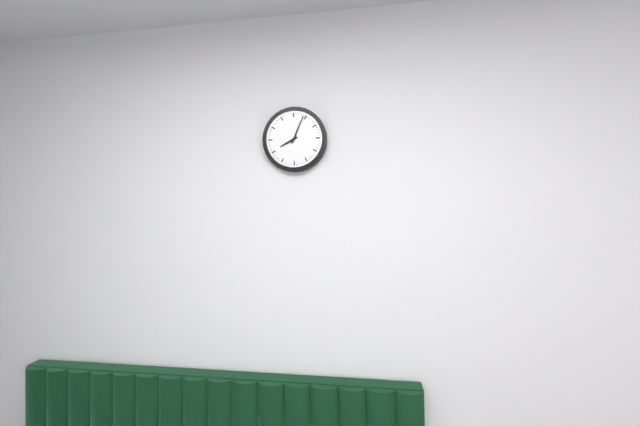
8:04
